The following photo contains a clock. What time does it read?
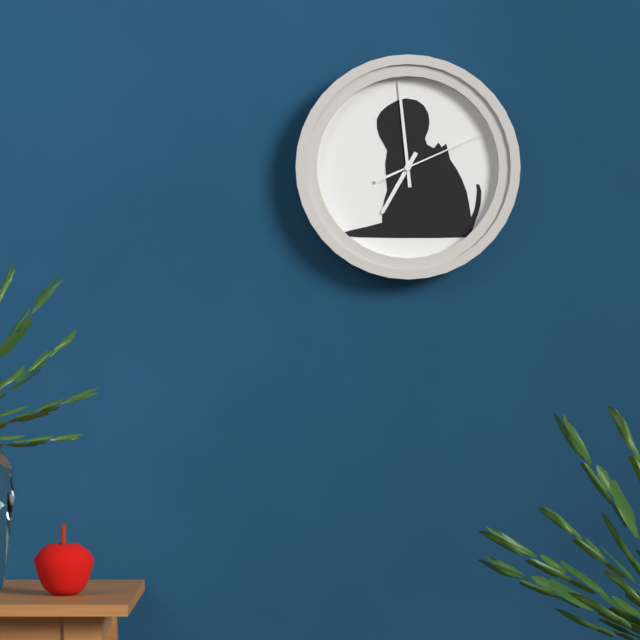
6:59:11
